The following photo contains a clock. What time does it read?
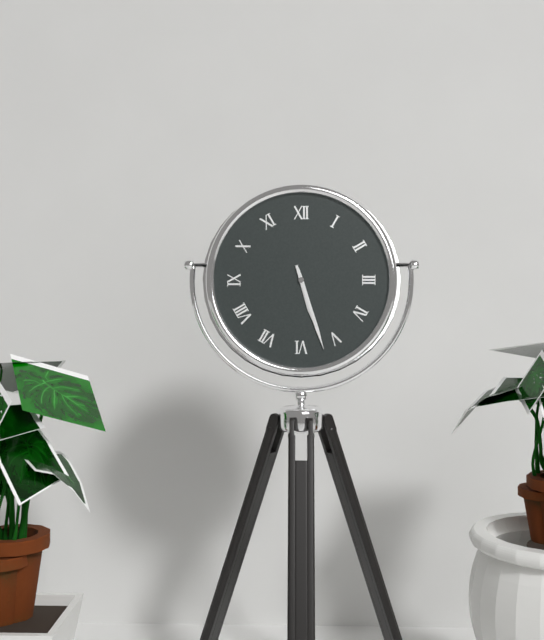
5:27
